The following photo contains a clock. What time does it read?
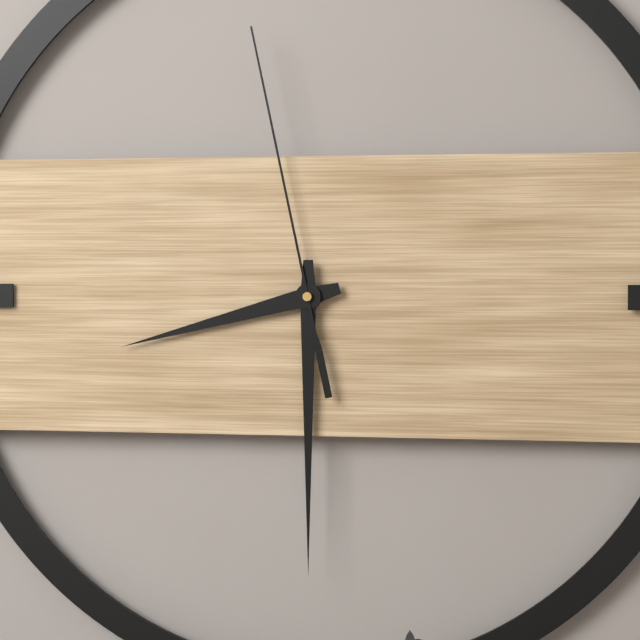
8:30:58
